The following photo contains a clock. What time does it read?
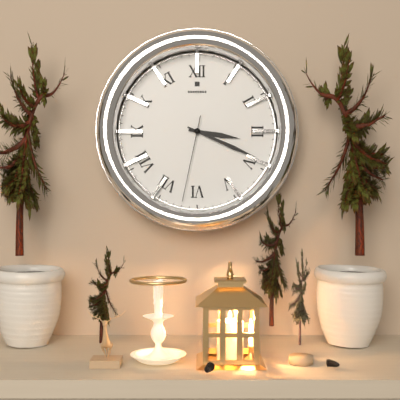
3:19:32
